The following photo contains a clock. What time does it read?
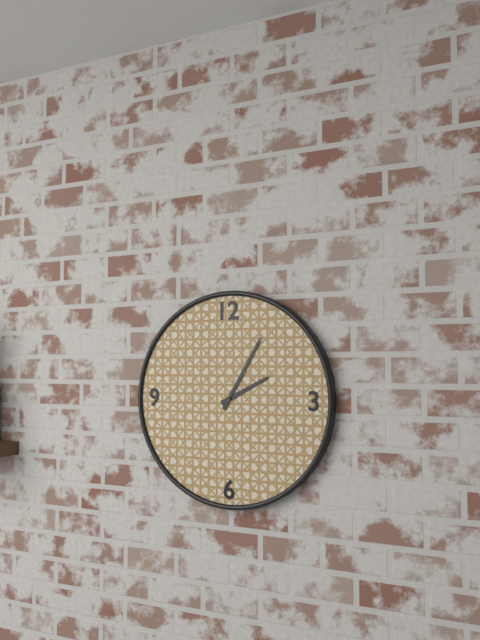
2:05
